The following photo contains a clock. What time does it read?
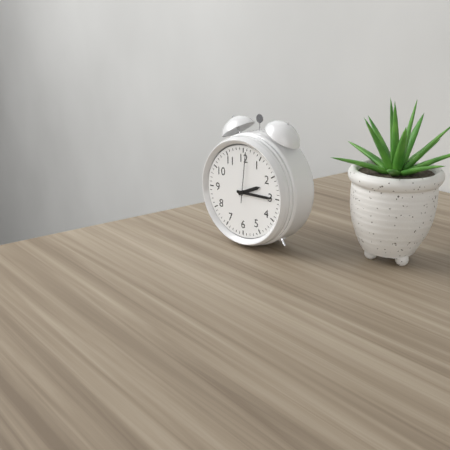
2:15:01
